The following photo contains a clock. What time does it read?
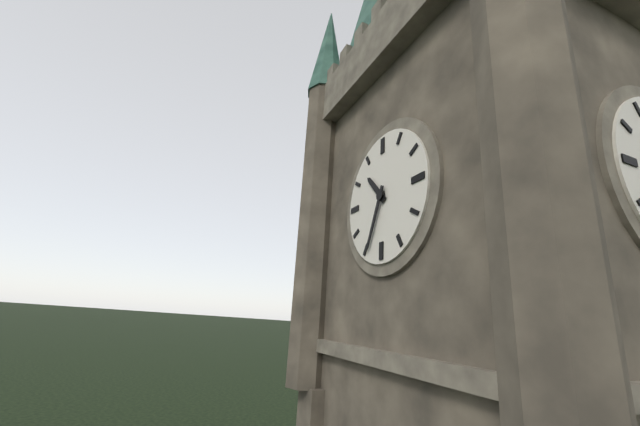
10:34
